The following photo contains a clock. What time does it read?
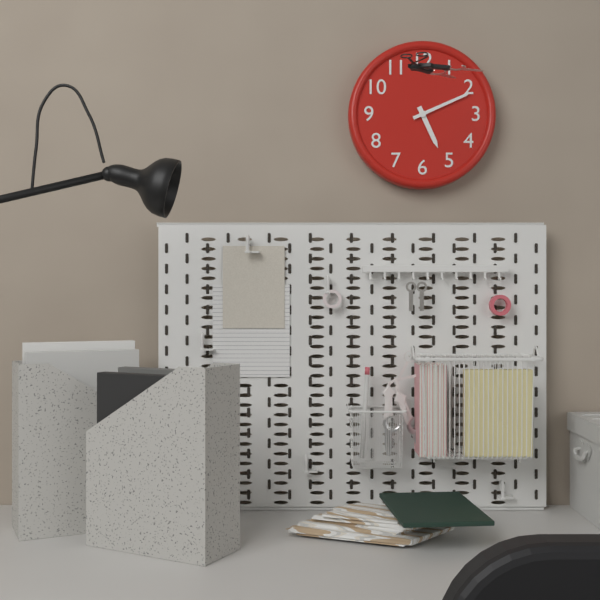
5:11
